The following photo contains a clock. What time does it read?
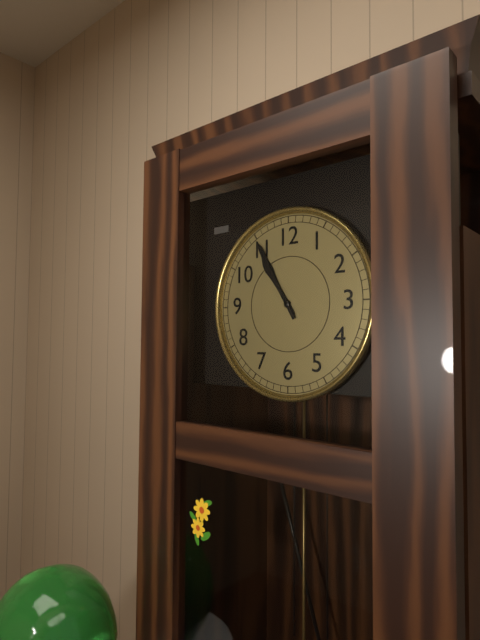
10:55
